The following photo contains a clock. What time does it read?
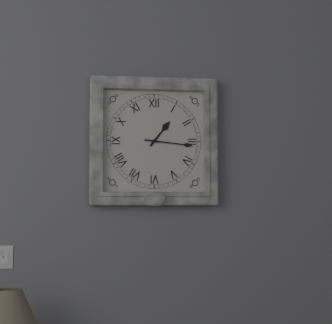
1:16
